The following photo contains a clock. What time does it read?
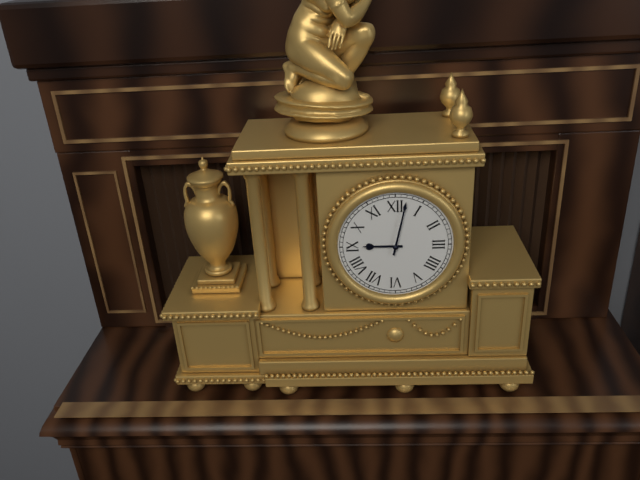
9:02
